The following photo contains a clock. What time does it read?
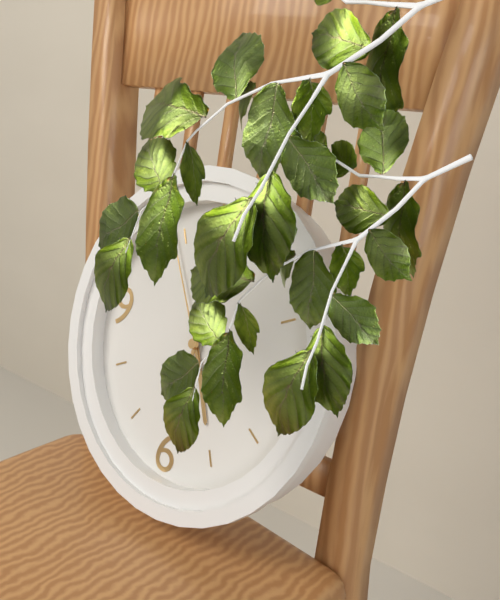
5:00:54
